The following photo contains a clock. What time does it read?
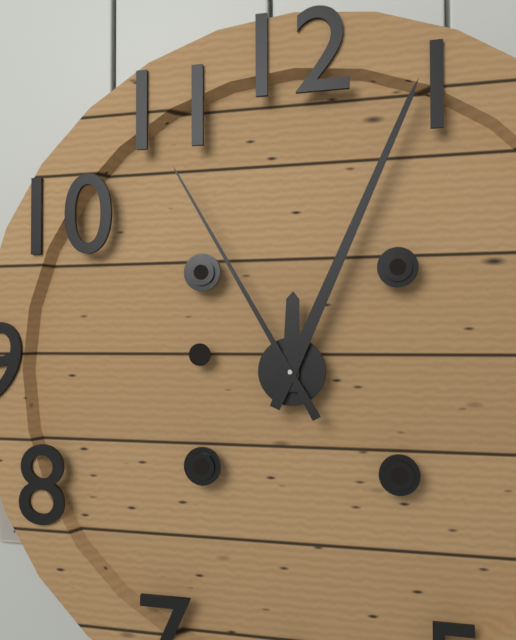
12:04:55
